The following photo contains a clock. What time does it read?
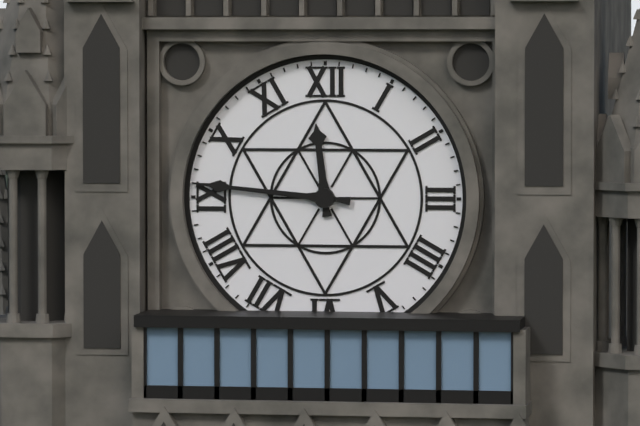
11:46
